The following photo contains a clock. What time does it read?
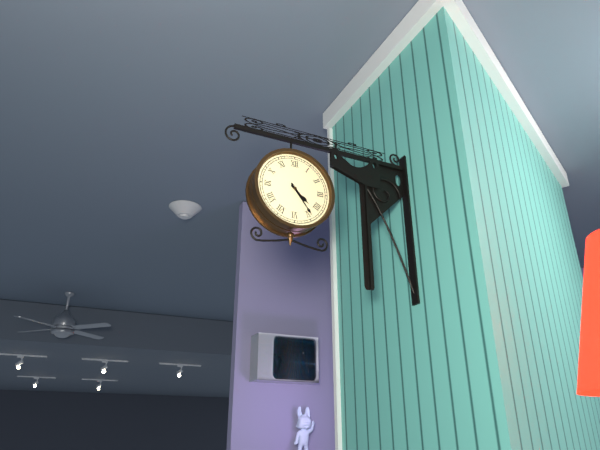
4:24
